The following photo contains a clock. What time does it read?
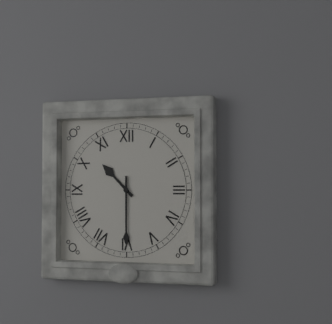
10:30
